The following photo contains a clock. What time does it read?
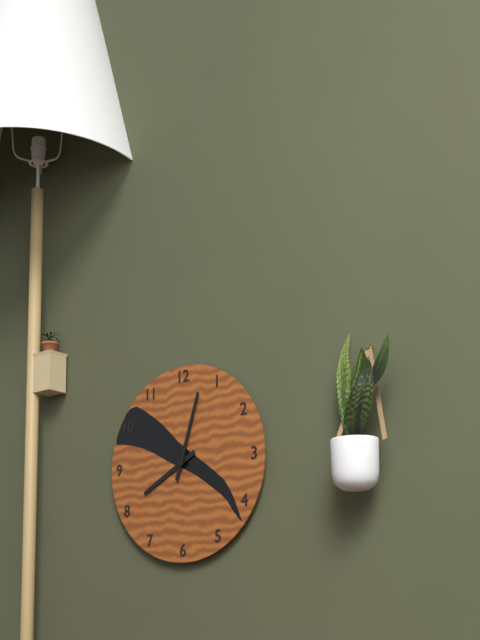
8:03
